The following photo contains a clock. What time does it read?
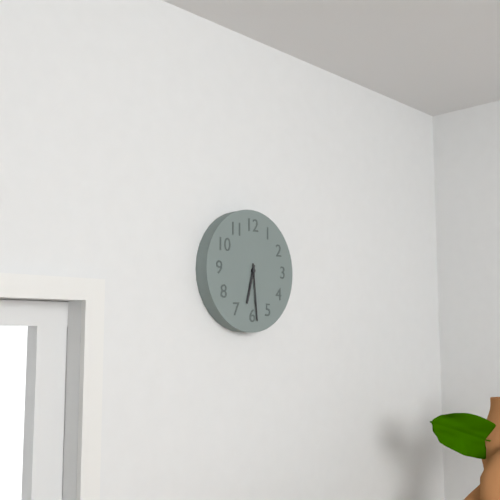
6:29
